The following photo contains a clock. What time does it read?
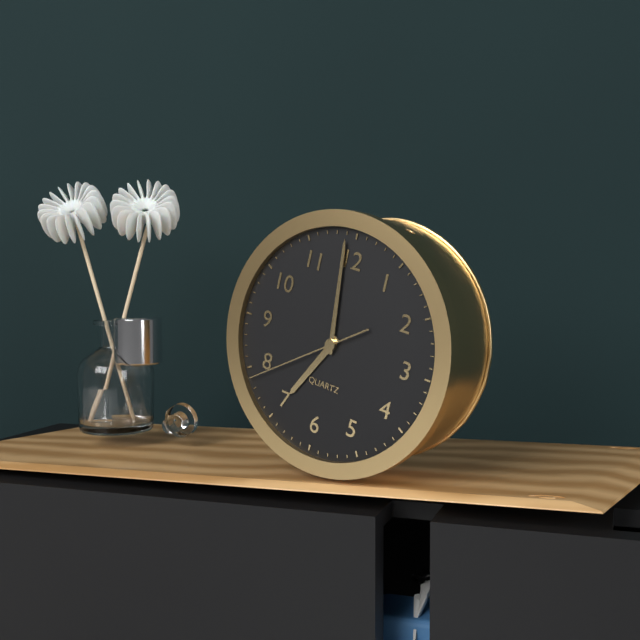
6:59:39
